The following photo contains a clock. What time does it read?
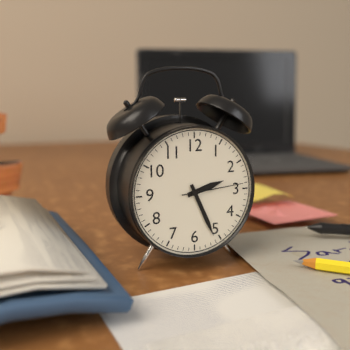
2:26:14
